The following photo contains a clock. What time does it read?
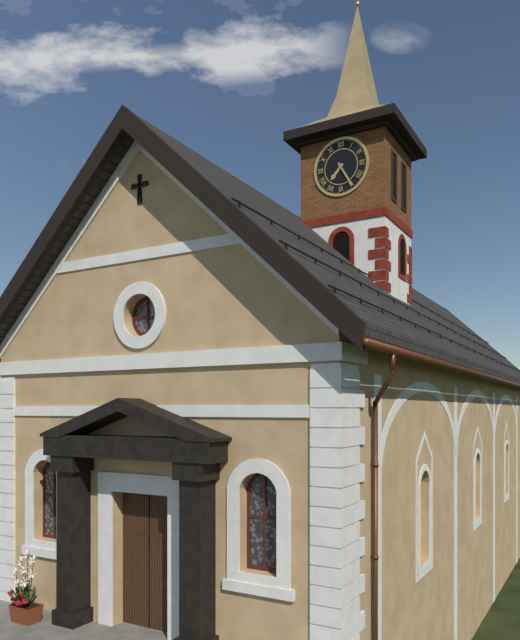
7:25
